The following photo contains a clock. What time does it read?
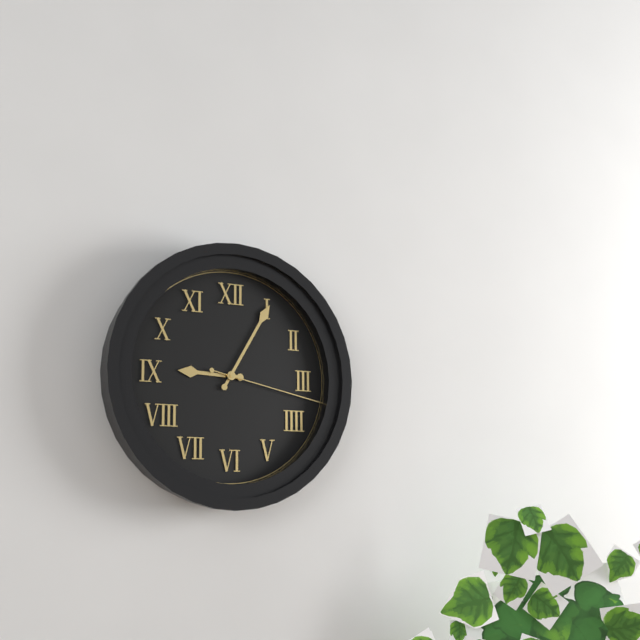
9:05:17
